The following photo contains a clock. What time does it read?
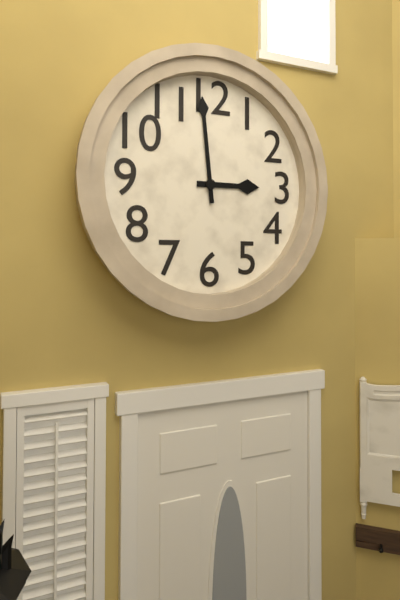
2:59
